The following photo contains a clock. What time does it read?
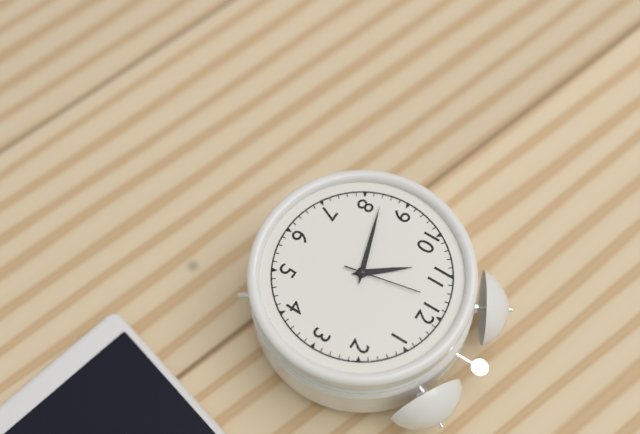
10:42:58
